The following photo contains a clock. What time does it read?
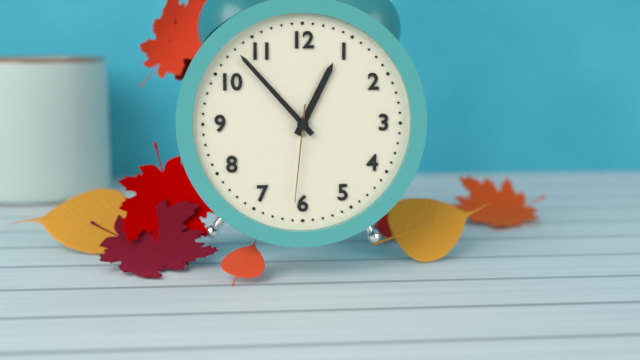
12:53:31
